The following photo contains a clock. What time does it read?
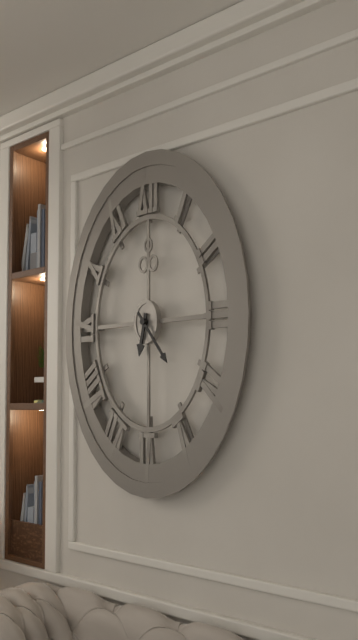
6:24
